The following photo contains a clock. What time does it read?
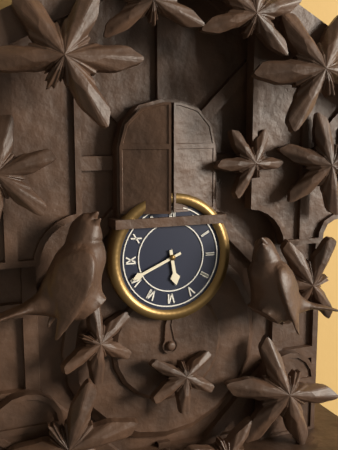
5:41
